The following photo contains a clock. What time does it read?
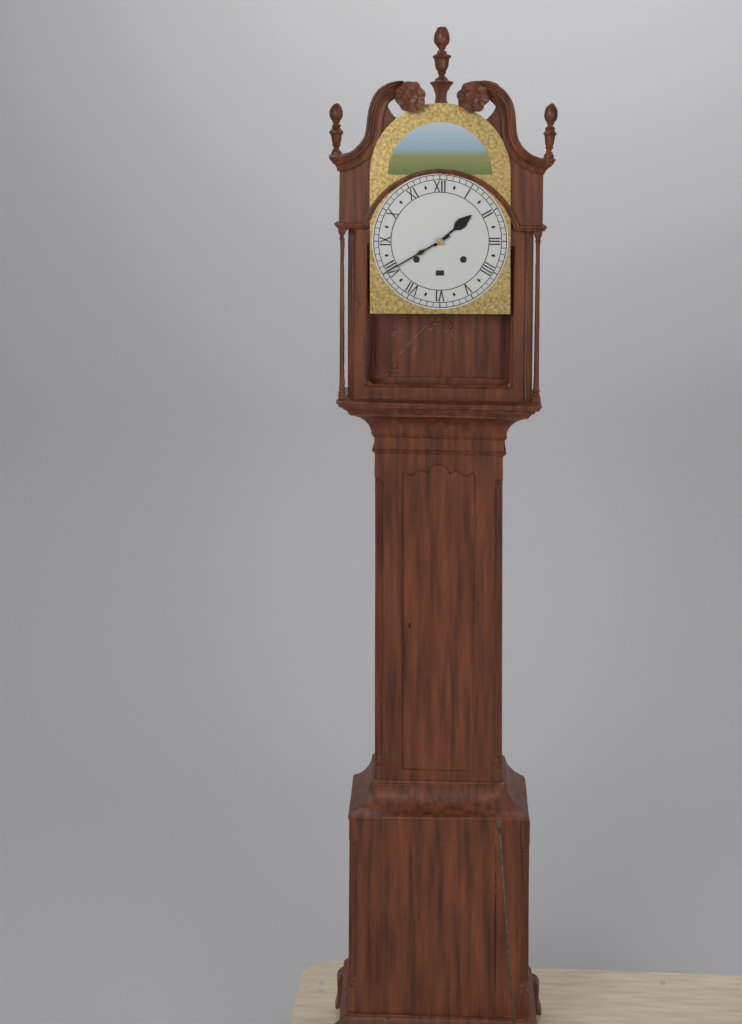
1:40
